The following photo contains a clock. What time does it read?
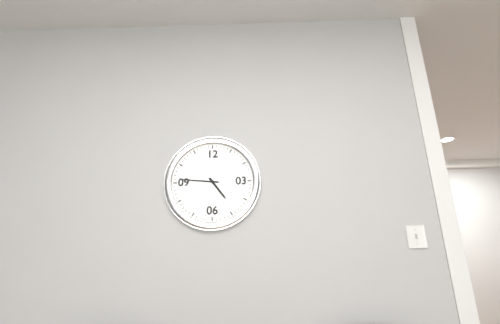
4:46
